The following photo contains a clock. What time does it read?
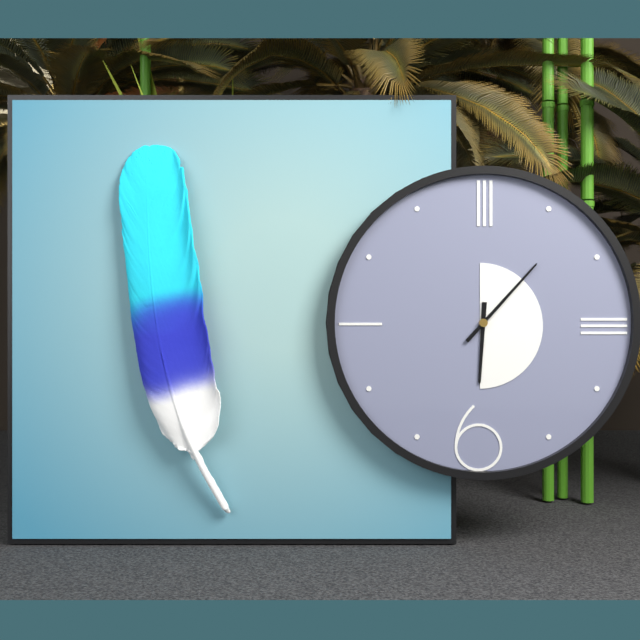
6:07
